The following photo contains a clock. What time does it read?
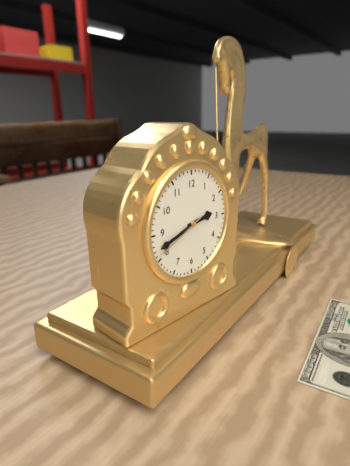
2:42:41
